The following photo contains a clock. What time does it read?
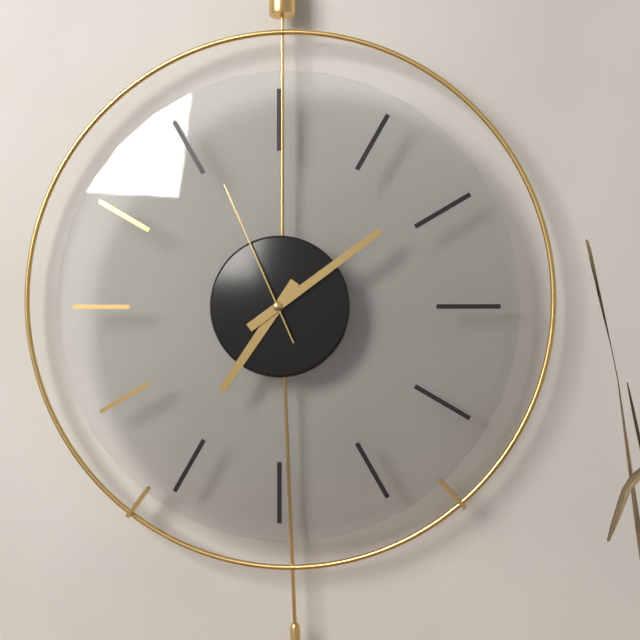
7:09:56
